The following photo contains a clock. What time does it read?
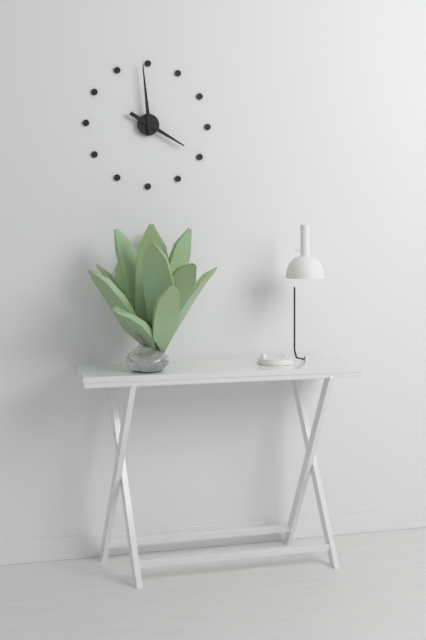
3:59
